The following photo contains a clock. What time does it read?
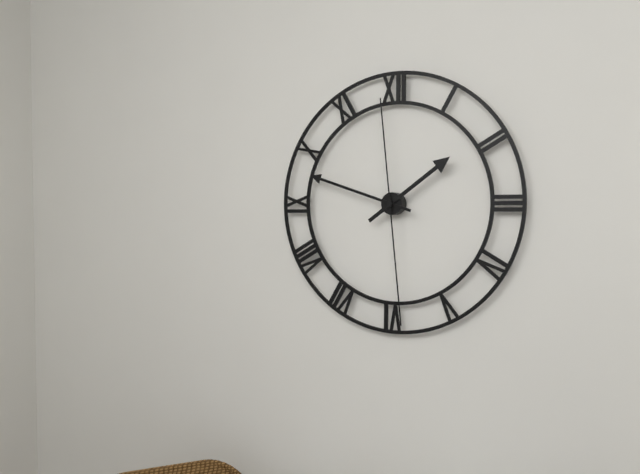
1:48:29
